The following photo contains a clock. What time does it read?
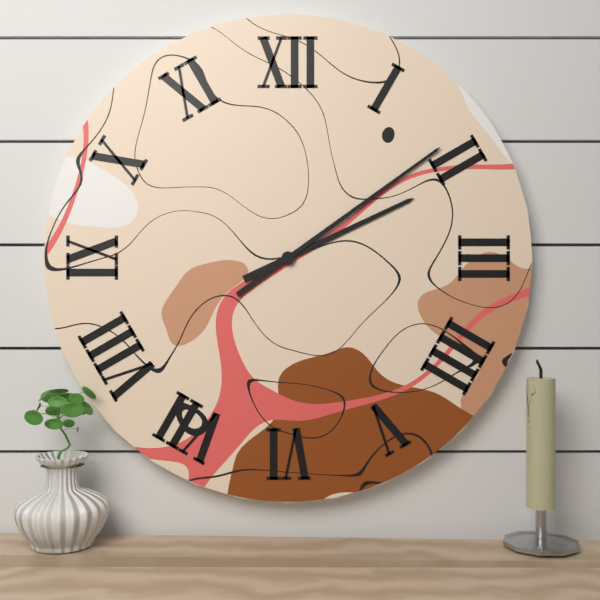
2:09
